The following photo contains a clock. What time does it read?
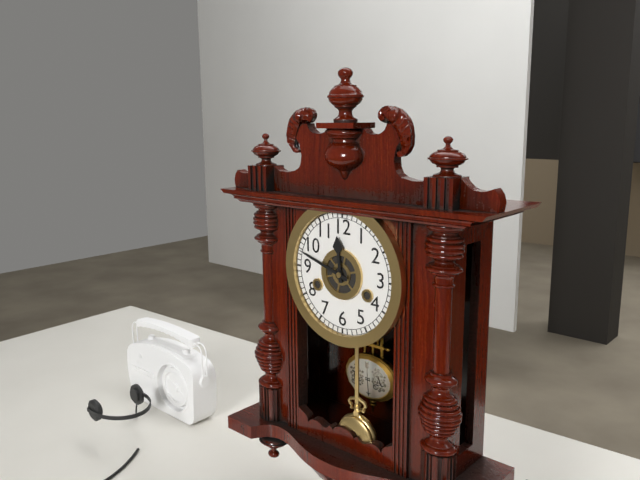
11:48
